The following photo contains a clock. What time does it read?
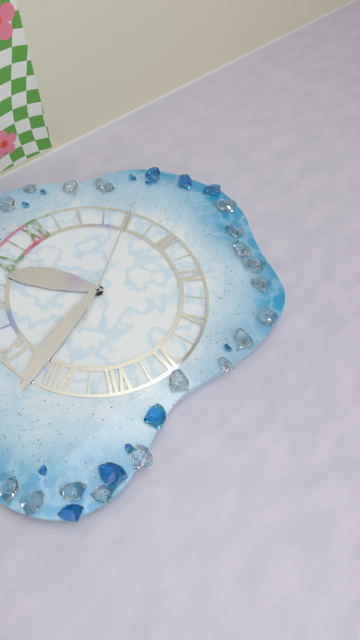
10:42:10
